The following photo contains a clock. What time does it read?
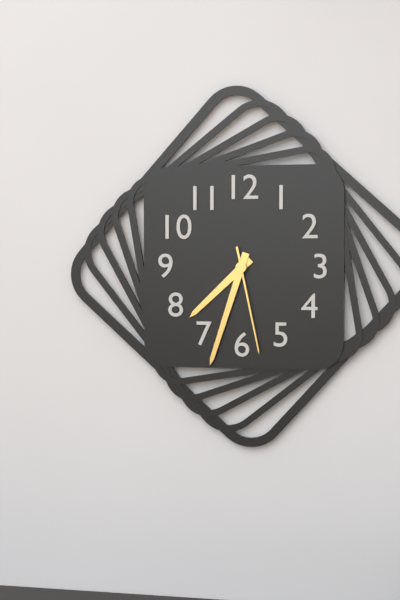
7:33:28
